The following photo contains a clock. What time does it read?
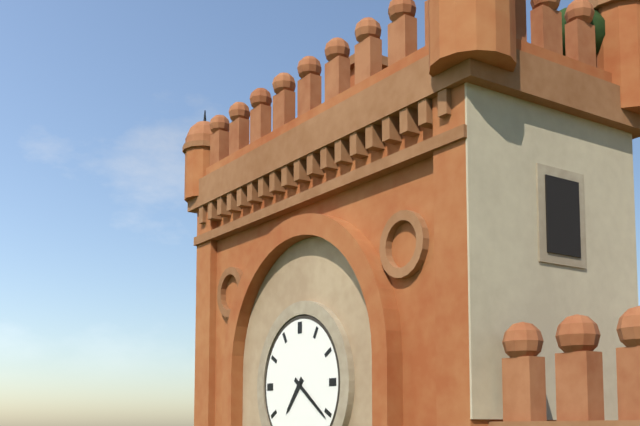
7:21
